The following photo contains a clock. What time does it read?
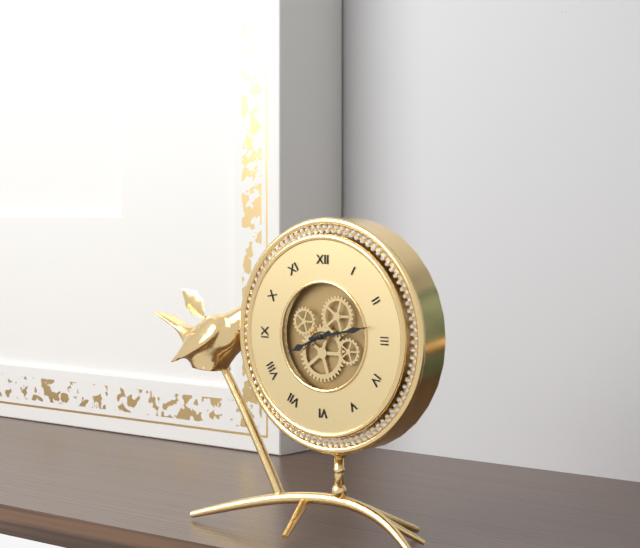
8:13
